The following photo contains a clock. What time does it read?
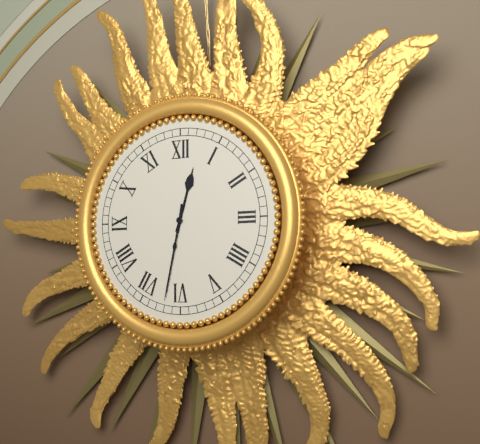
12:32
